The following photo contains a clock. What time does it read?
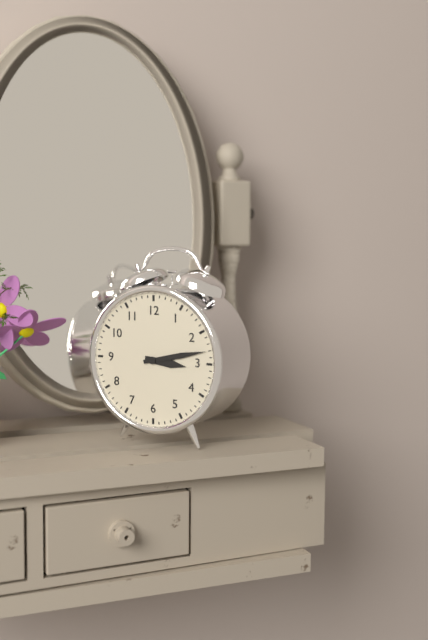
3:13
